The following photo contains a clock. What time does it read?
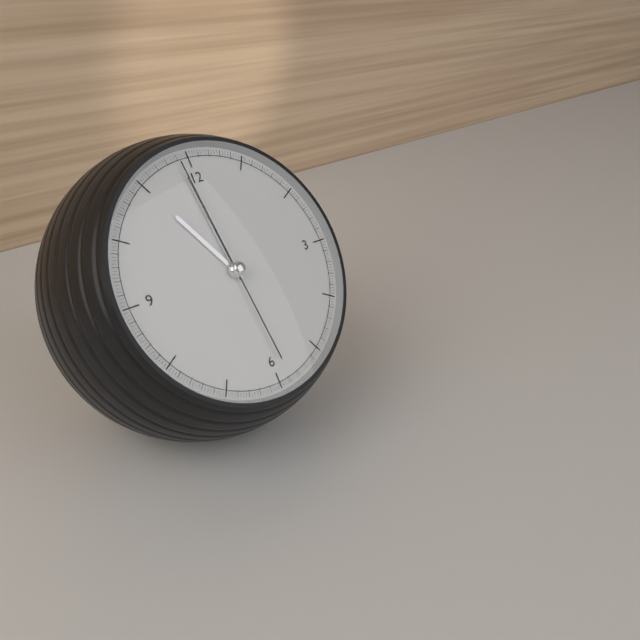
10:59:59
